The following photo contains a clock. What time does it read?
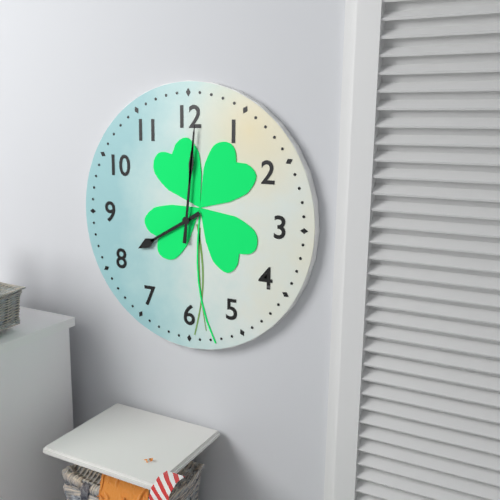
8:01
